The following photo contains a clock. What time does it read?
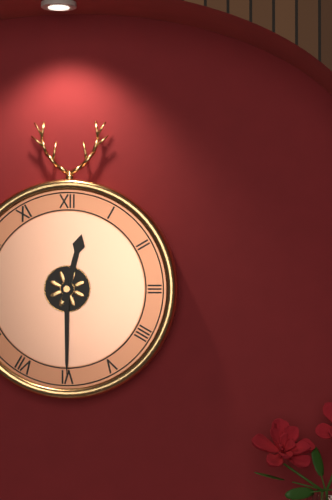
12:30
